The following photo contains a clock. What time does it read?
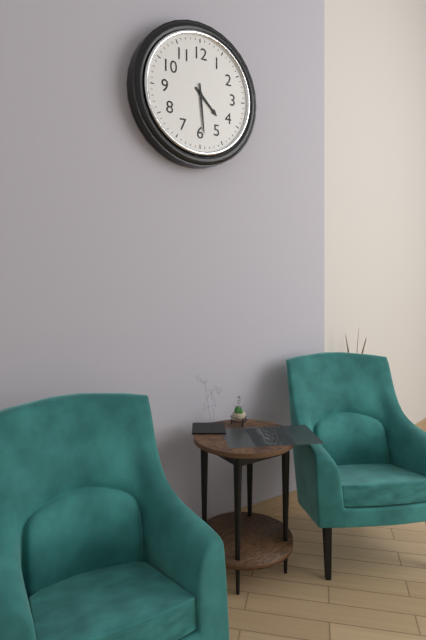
4:29
